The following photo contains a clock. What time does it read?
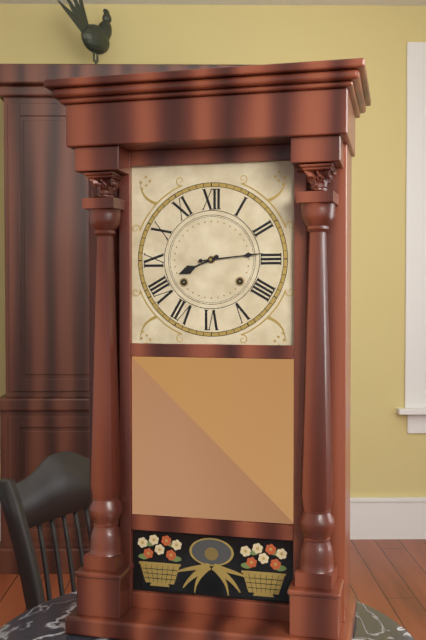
8:14
